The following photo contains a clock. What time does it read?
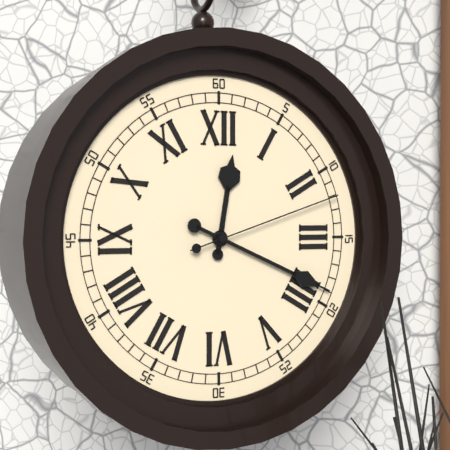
12:19:12
